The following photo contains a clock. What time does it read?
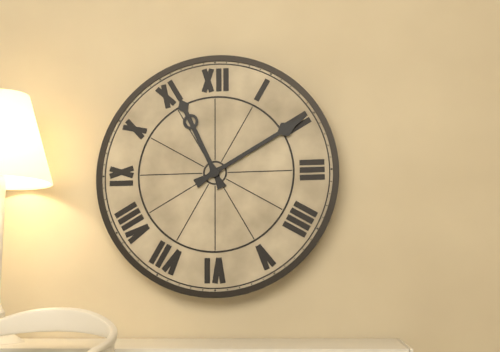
11:10
